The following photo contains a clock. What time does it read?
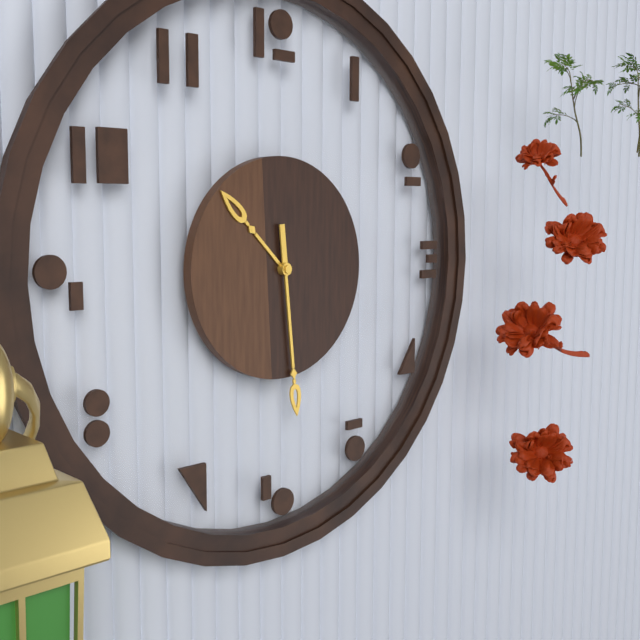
10:29
